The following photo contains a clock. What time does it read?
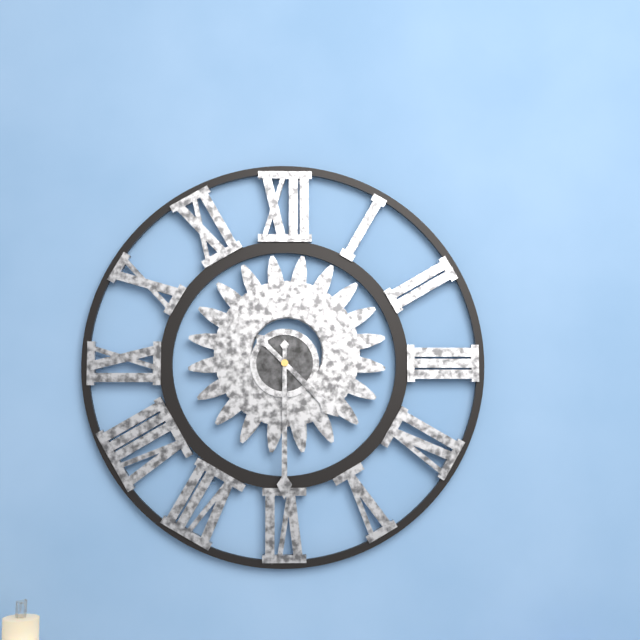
4:30
